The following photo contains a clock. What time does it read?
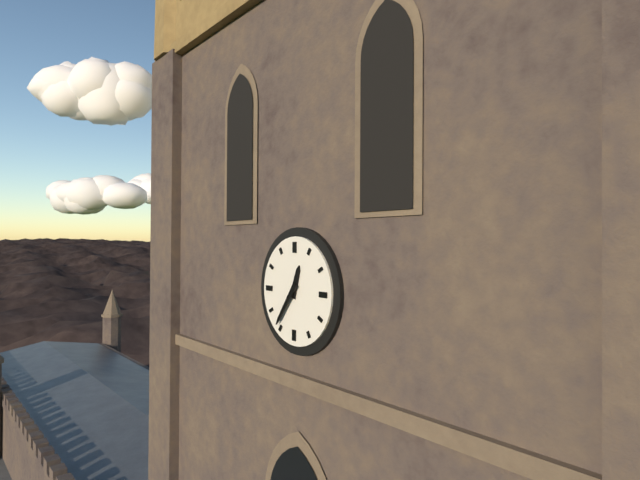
12:36
